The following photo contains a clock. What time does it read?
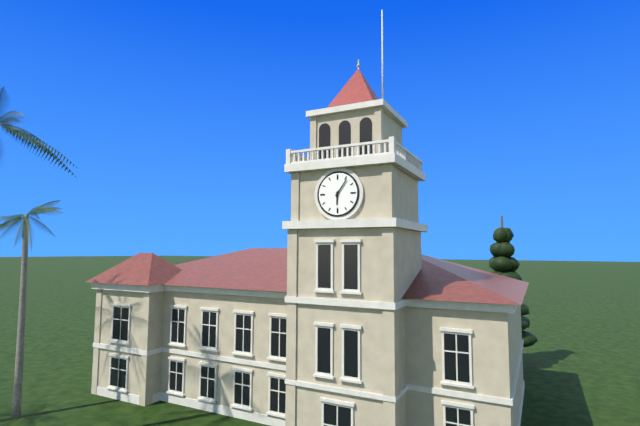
6:06
